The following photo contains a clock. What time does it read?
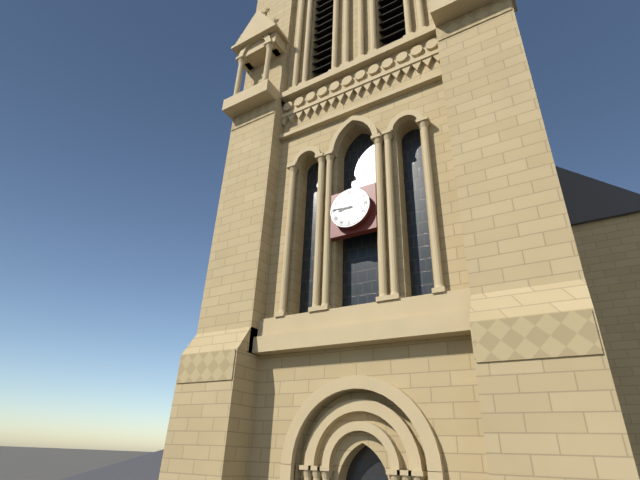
8:46
